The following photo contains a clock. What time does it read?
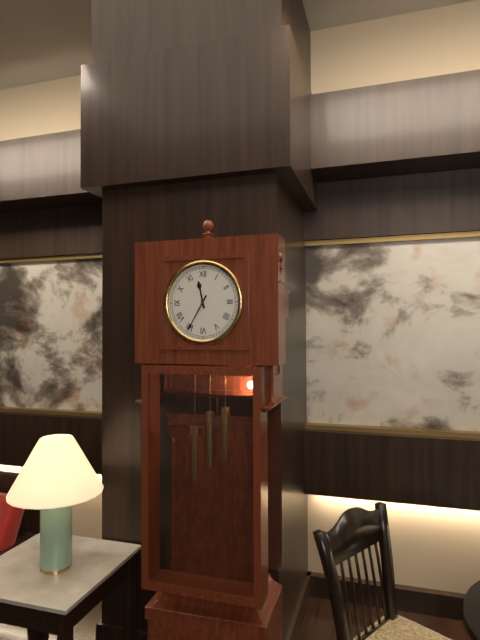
11:35
